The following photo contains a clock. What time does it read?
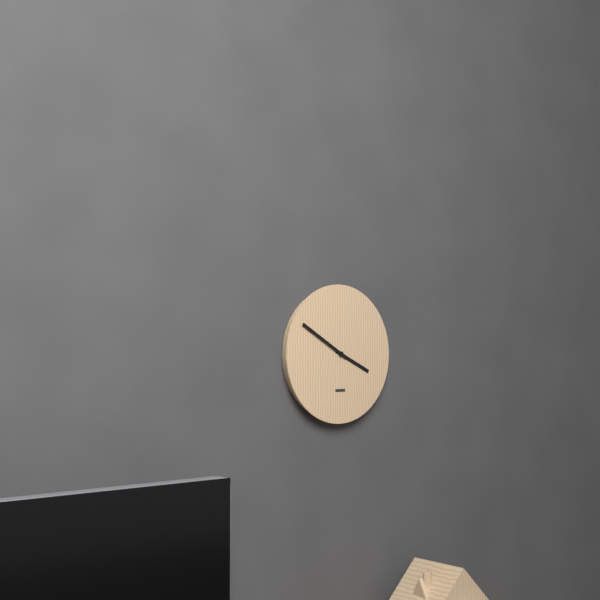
3:50
